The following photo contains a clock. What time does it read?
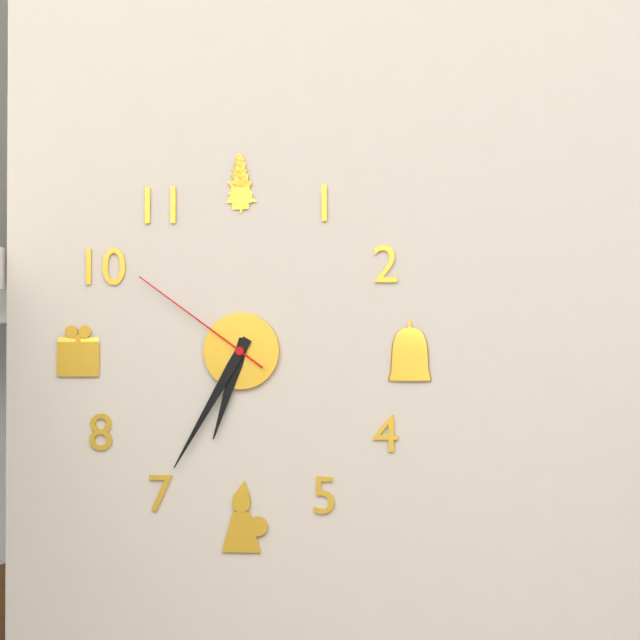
6:35:51
